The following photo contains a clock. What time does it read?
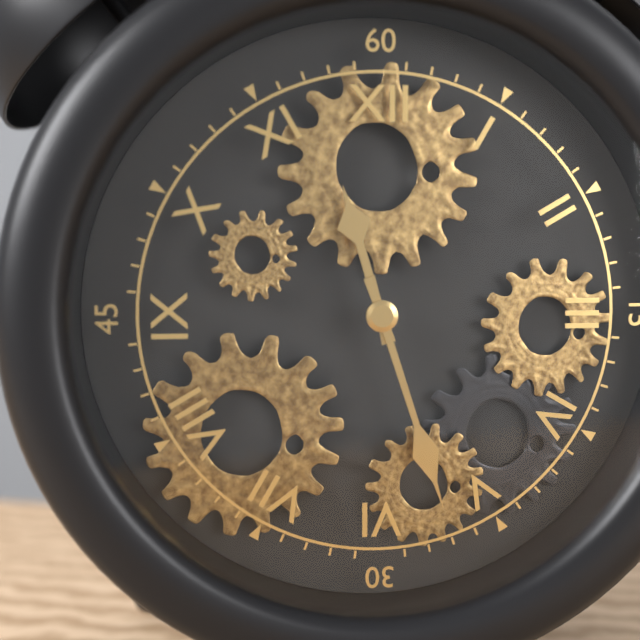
11:27
